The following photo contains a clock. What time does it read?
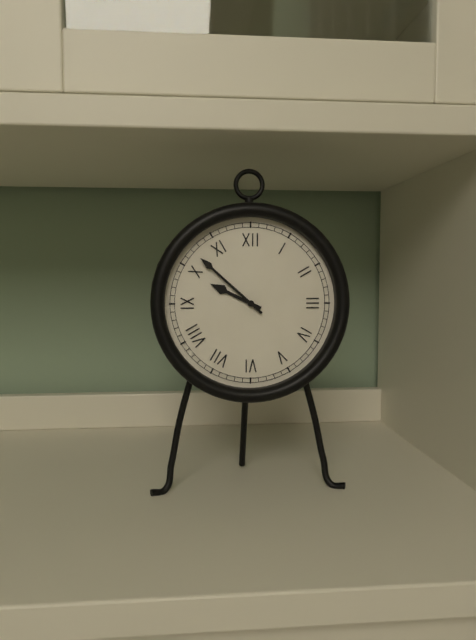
9:52
